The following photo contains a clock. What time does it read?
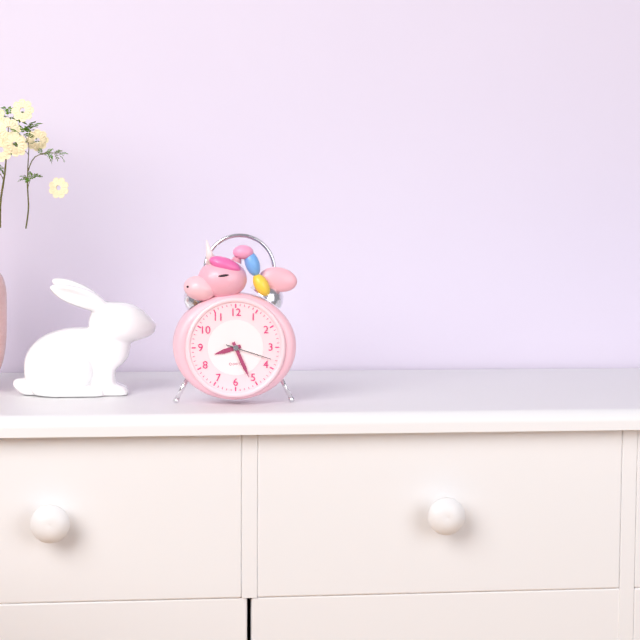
8:26
